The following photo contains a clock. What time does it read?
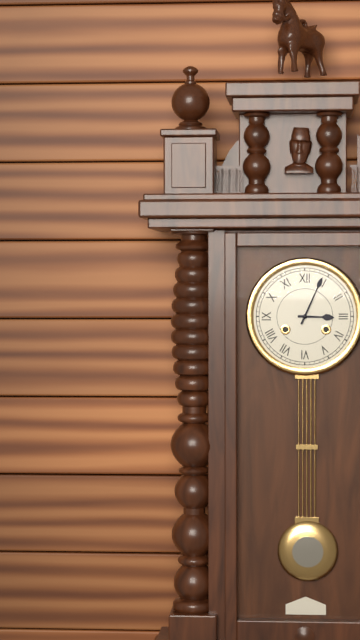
3:04
